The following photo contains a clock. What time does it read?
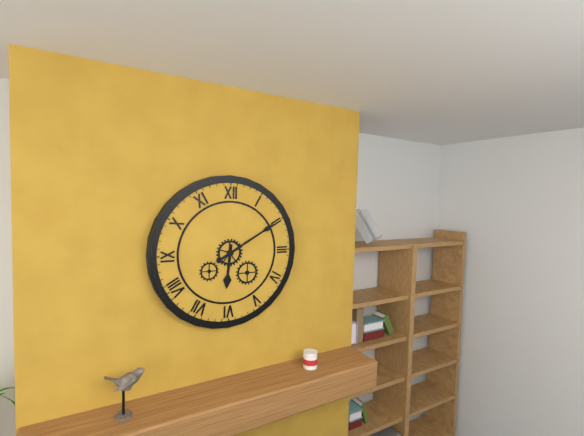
6:10
